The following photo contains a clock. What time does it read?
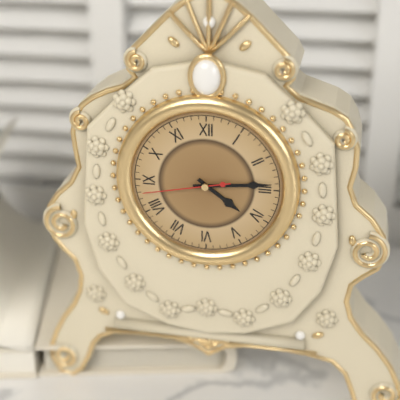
4:14:43
